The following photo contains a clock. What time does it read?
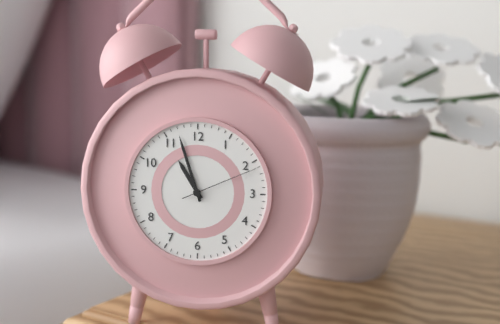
10:57:11
